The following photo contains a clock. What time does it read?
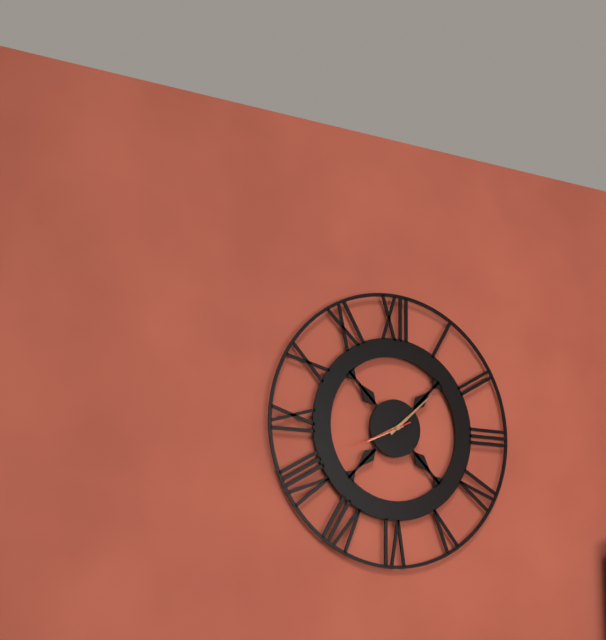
8:08:41
